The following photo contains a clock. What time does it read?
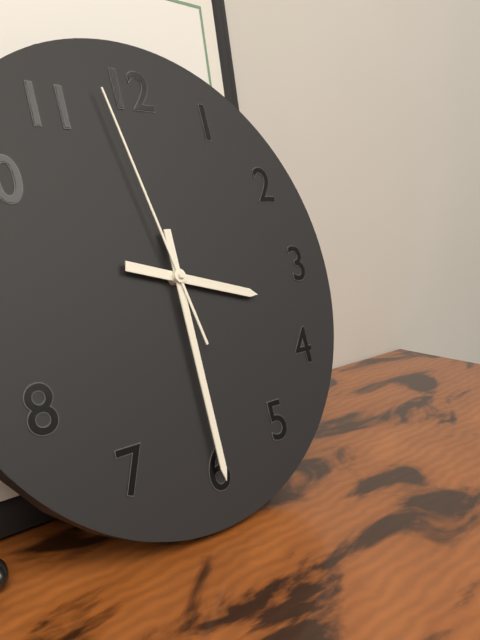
3:30:58
